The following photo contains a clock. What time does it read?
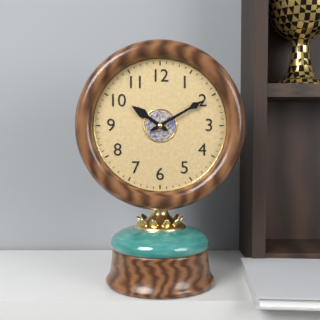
10:10
